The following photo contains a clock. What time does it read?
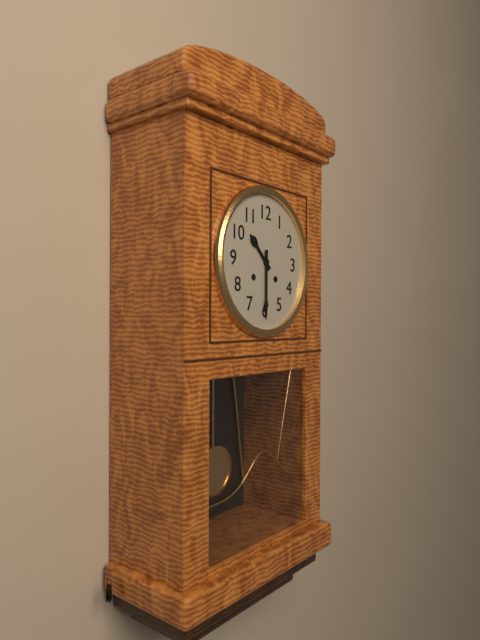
10:30
